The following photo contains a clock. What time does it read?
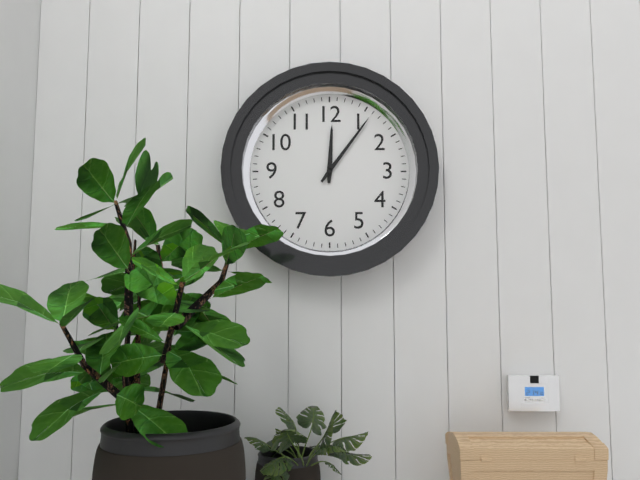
12:06
